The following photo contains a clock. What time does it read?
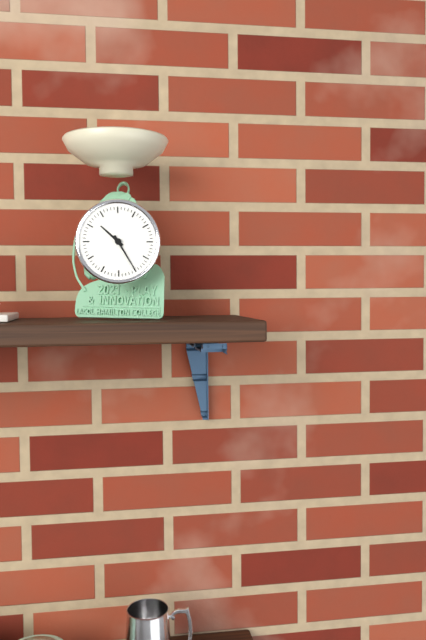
10:25
